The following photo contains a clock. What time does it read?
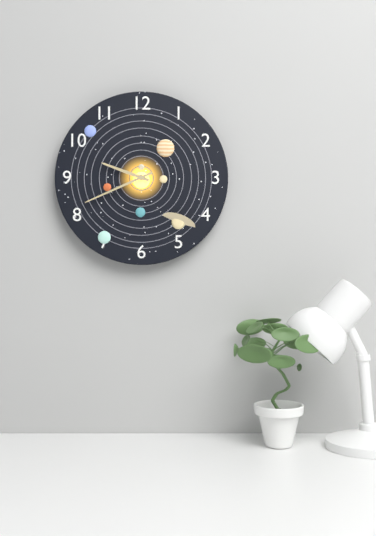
9:41
